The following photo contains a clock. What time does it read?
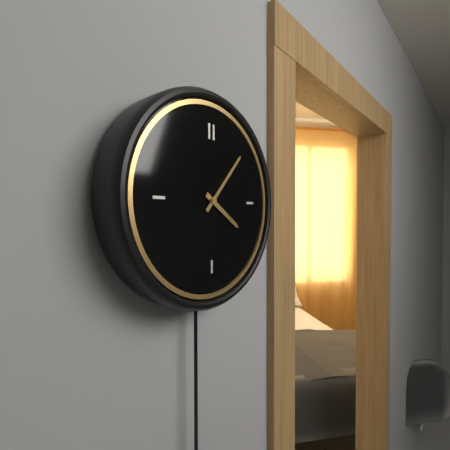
4:07
